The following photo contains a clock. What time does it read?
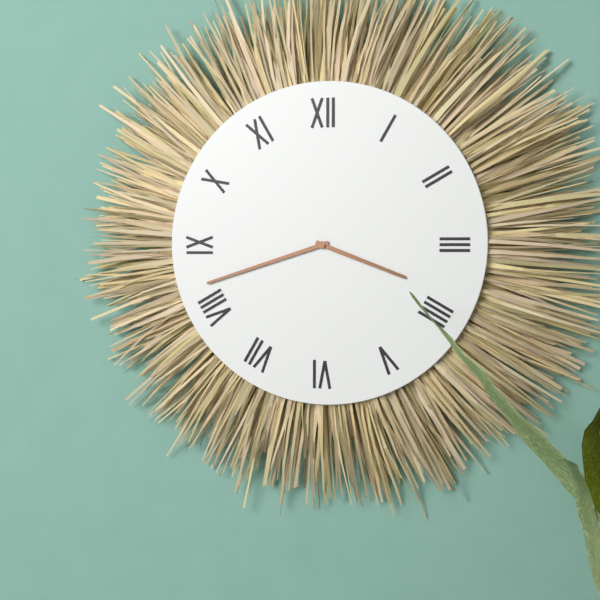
3:42
